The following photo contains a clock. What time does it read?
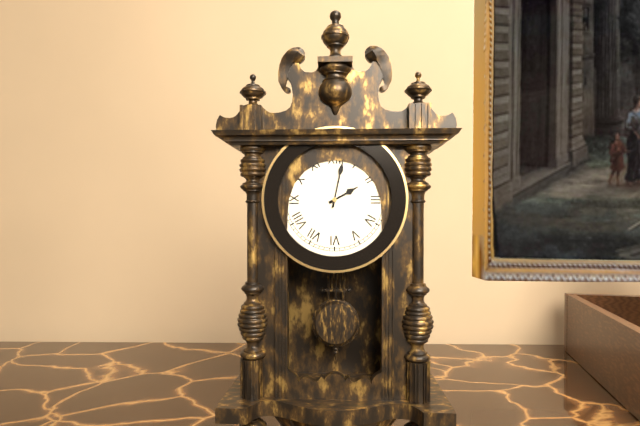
2:02
